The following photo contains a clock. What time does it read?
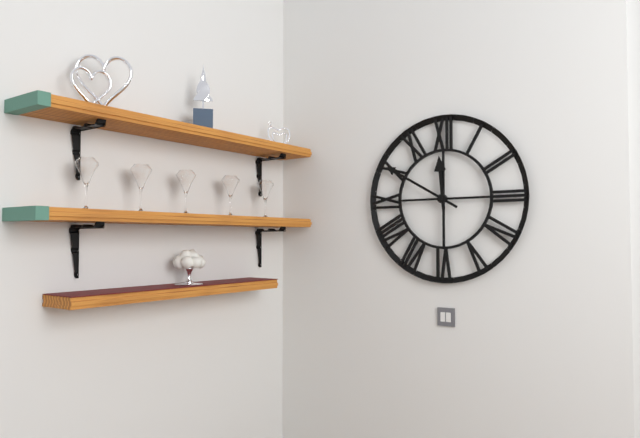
11:50
